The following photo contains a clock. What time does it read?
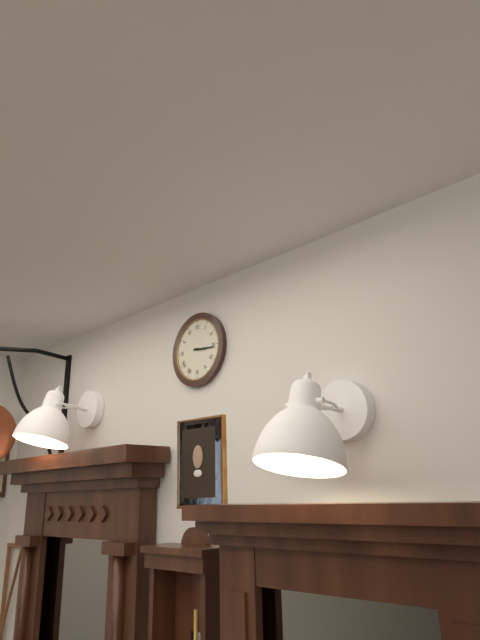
3:16
